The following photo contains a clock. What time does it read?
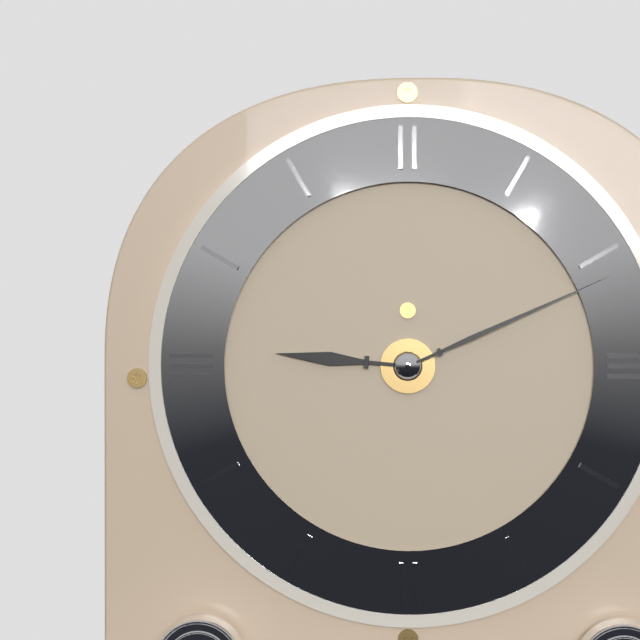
9:11
